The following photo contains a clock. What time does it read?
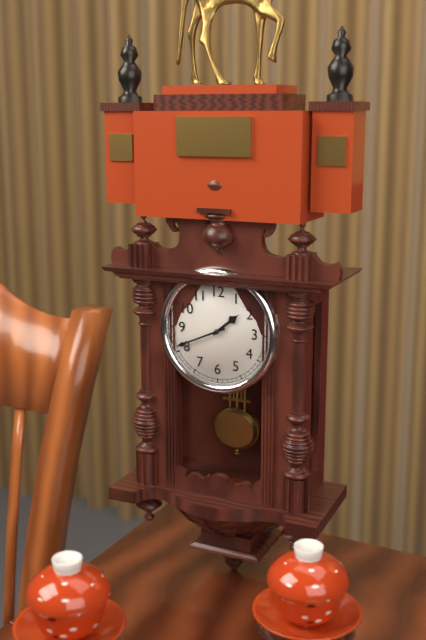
1:41
